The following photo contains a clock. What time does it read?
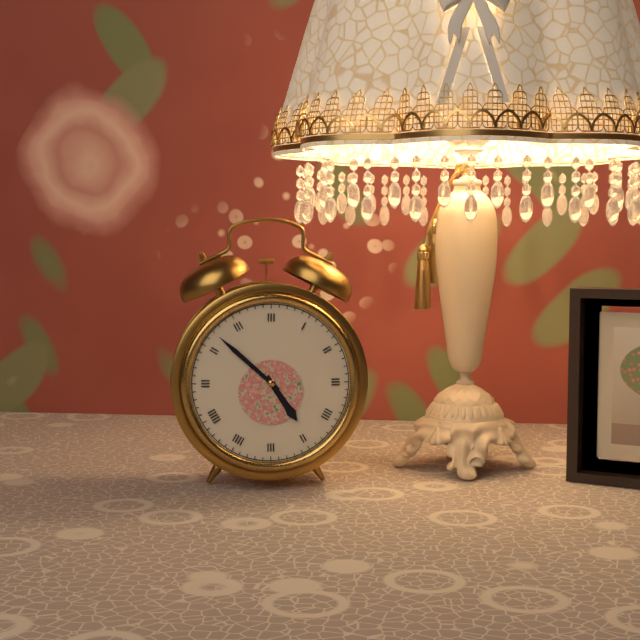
4:52
